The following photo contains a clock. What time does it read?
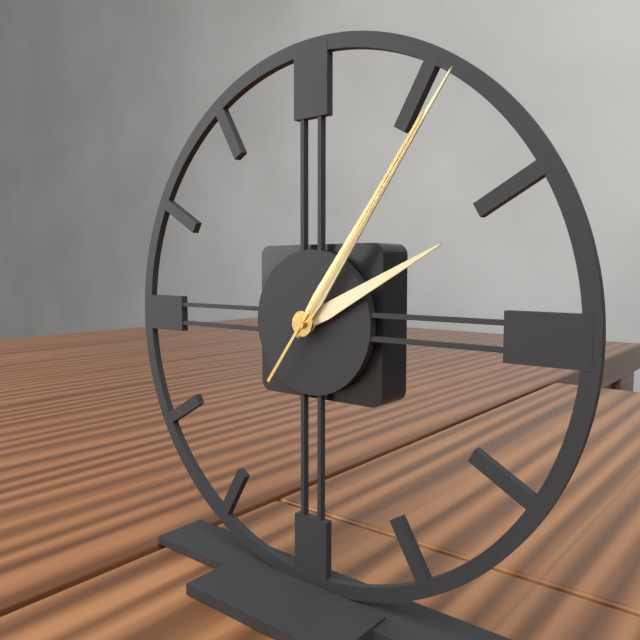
2:06:06
